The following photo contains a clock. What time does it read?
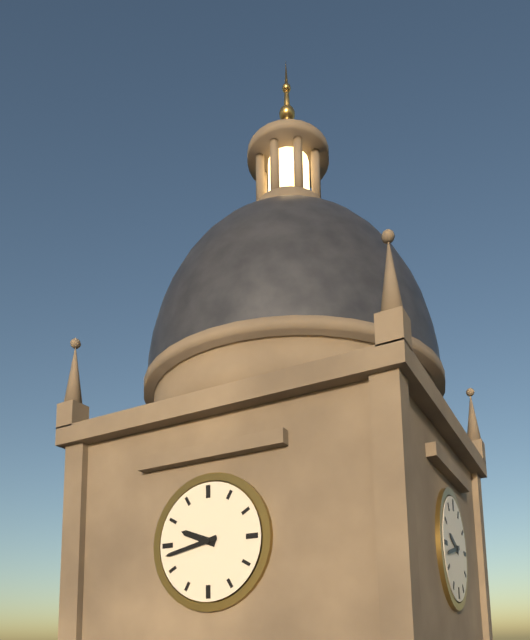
9:43
